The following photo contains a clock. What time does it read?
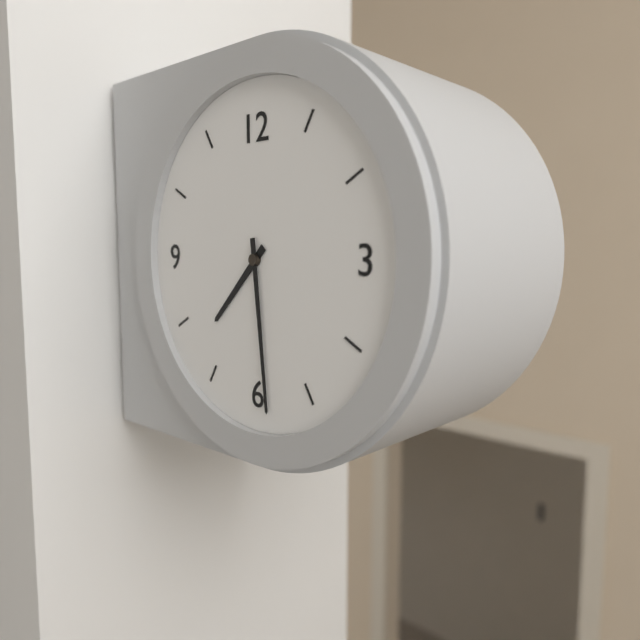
7:29
